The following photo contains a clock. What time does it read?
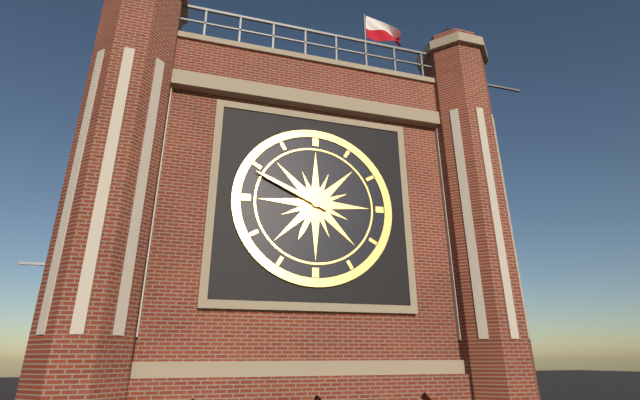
6:49
